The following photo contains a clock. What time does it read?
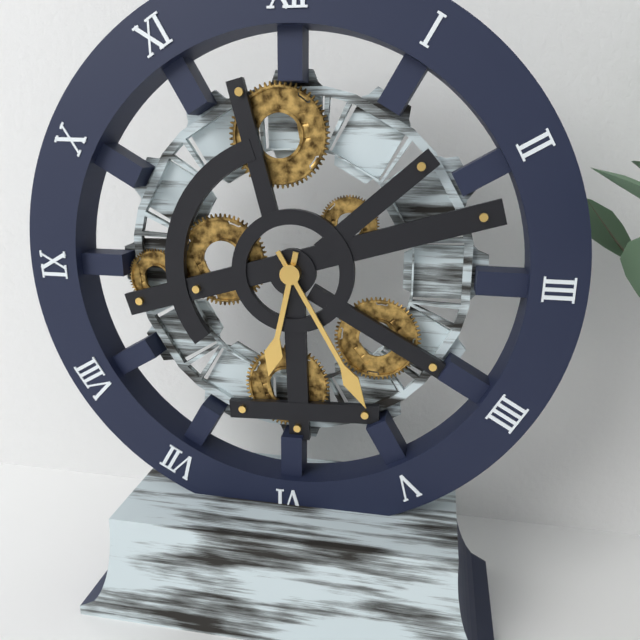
6:25
